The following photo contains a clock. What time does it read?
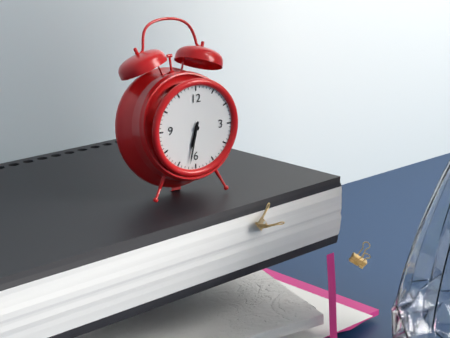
6:32
